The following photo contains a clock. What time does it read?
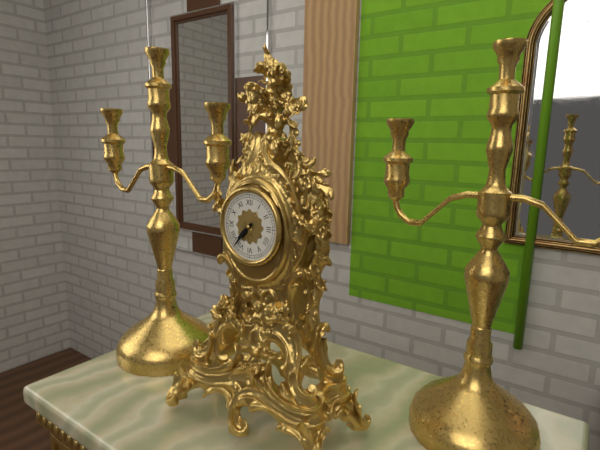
7:37
